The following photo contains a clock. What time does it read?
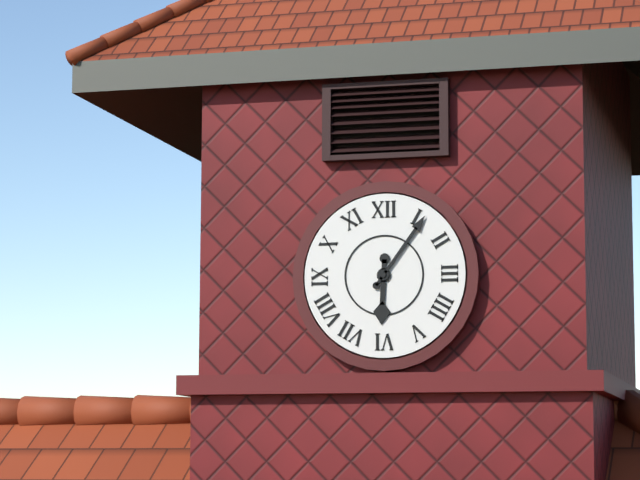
6:06
